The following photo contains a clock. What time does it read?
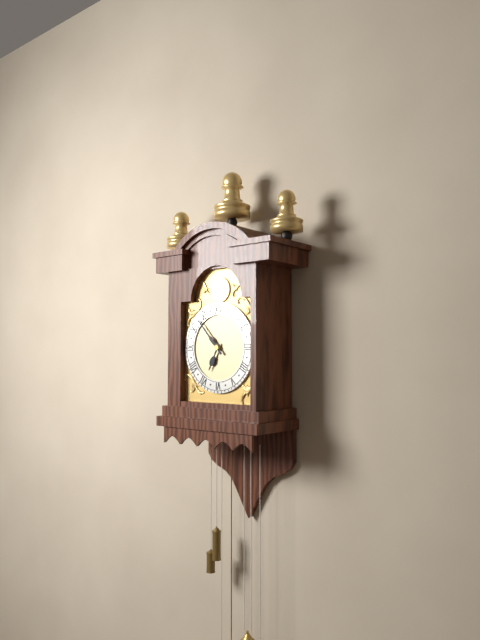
6:53
